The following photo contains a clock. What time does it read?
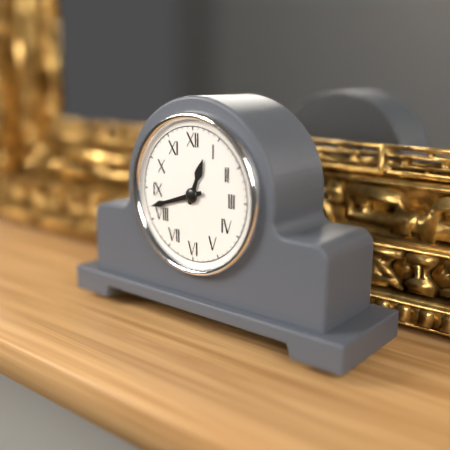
12:42
